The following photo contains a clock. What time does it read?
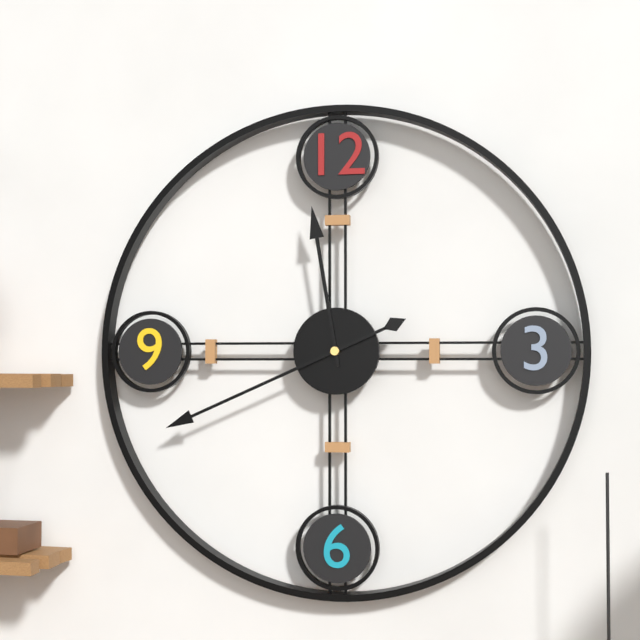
11:41
